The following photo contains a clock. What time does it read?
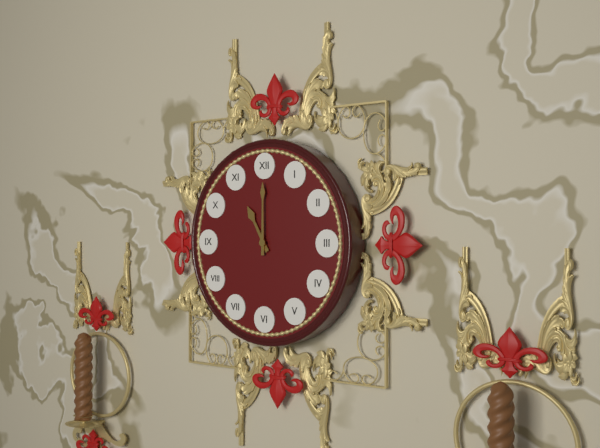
11:00
